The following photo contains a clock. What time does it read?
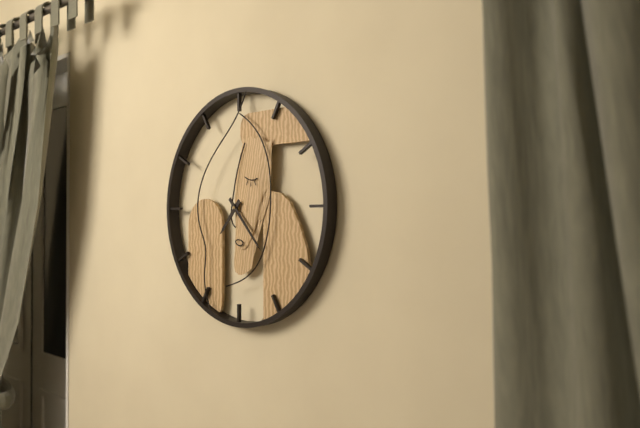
7:23
